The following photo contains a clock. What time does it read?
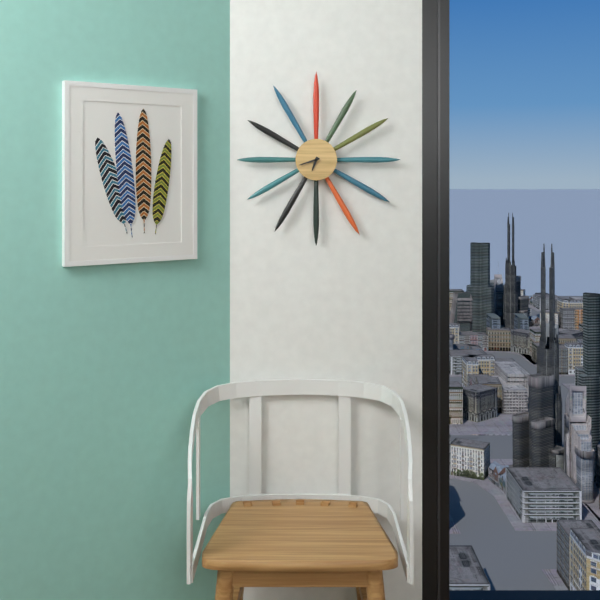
6:42
